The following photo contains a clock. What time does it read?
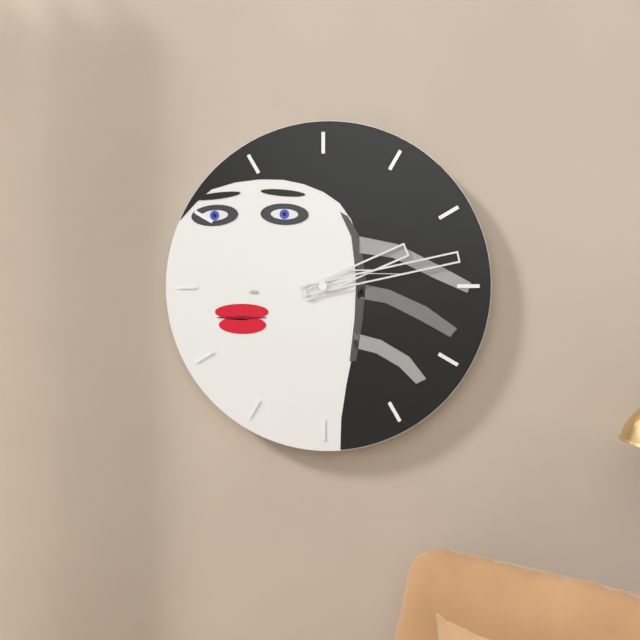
2:13
